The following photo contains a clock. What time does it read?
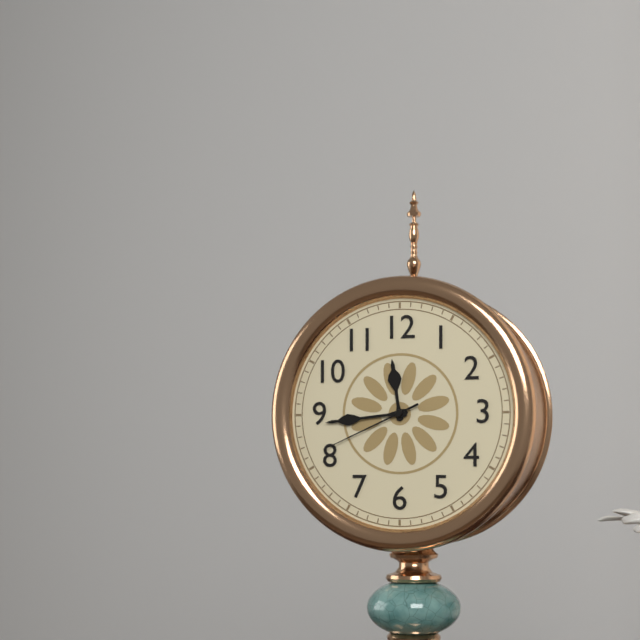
11:44:41
